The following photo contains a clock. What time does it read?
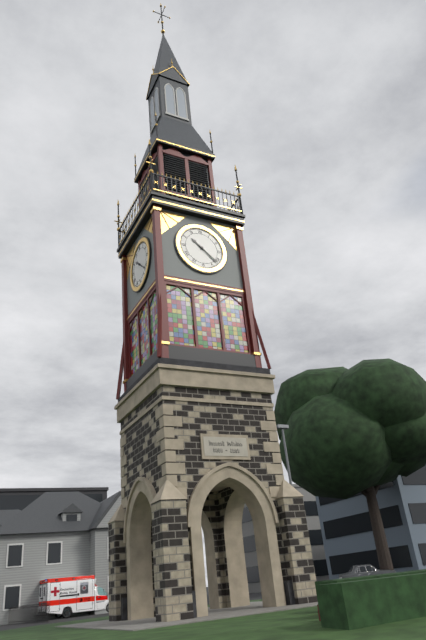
10:22
